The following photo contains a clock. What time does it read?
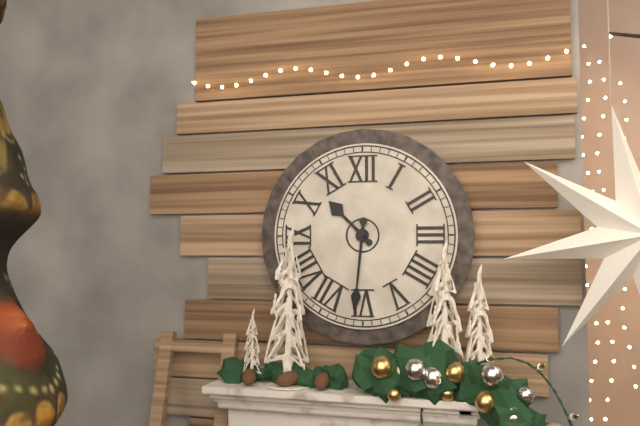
10:31
